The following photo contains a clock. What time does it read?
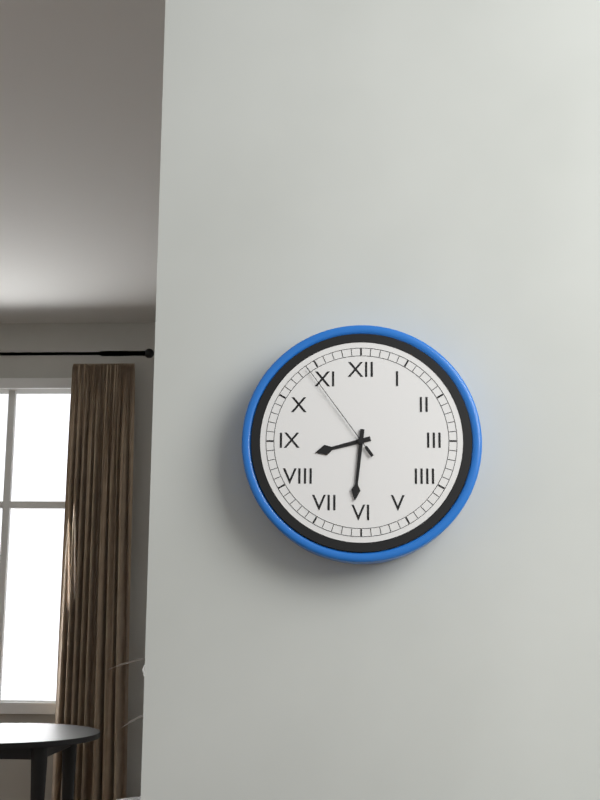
8:31:54
